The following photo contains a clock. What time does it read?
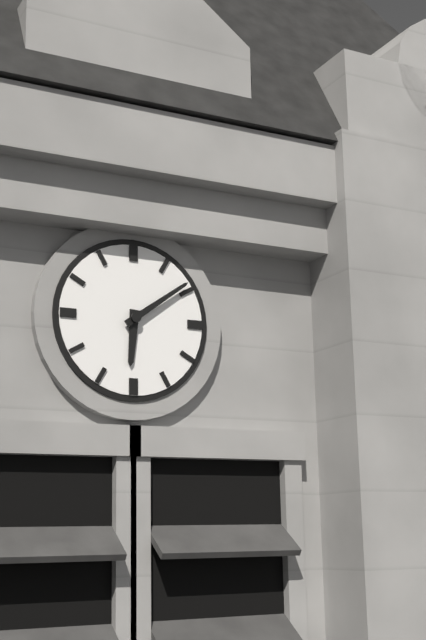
6:09
